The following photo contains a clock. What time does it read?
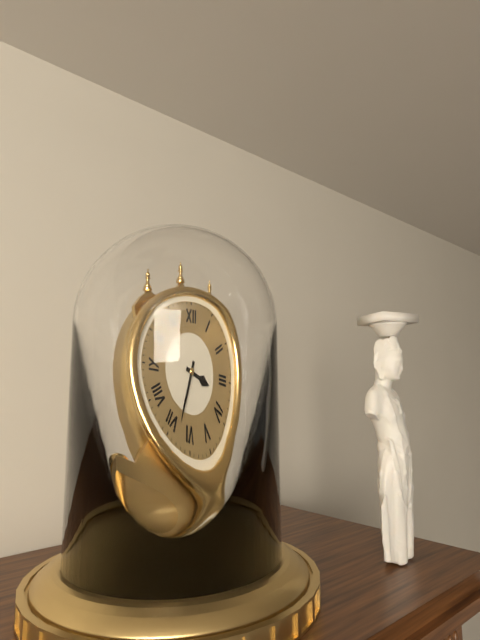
3:33
